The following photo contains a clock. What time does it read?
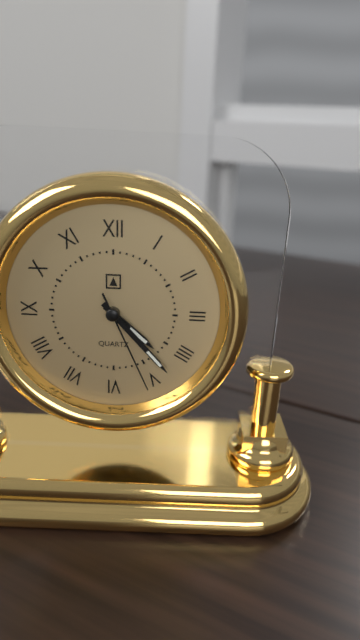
4:23:26
